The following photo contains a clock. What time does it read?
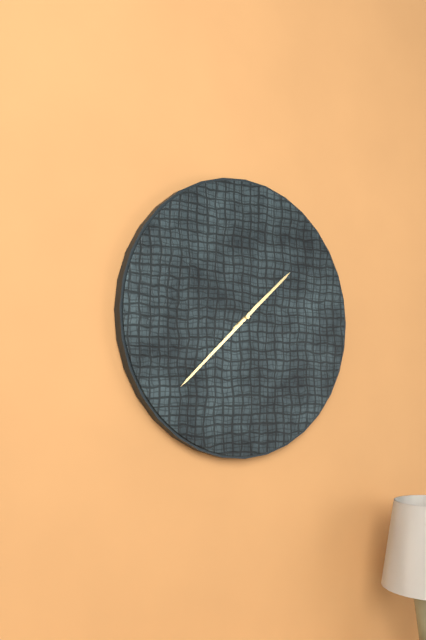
1:38
